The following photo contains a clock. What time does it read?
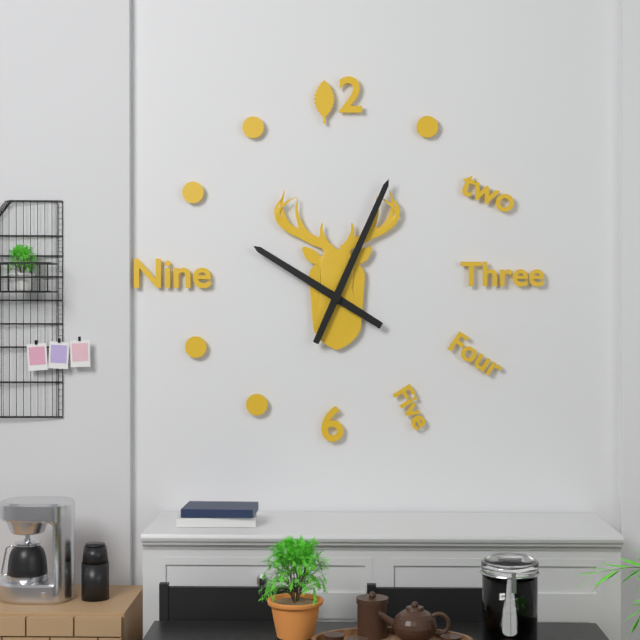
10:04
